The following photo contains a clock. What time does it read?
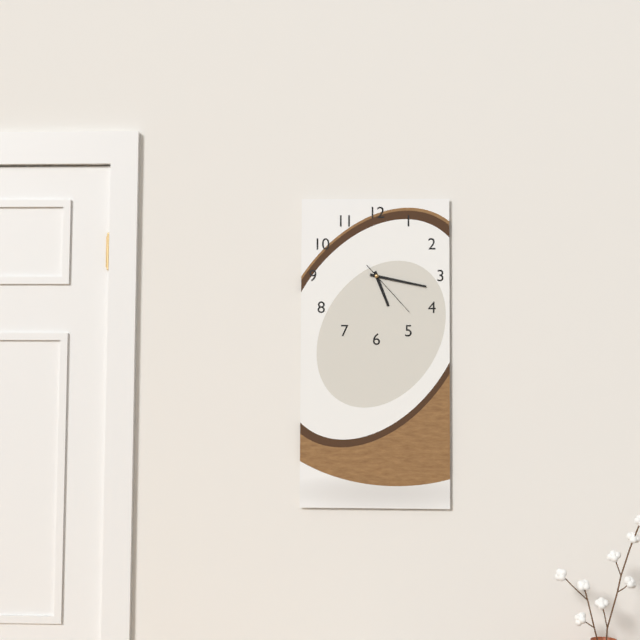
5:17:23
